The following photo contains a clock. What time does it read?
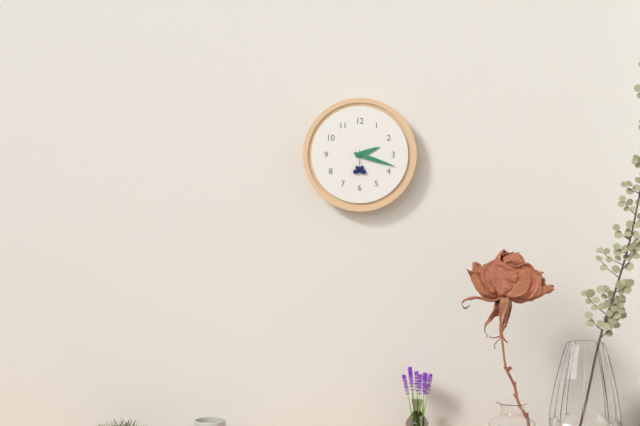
2:18
